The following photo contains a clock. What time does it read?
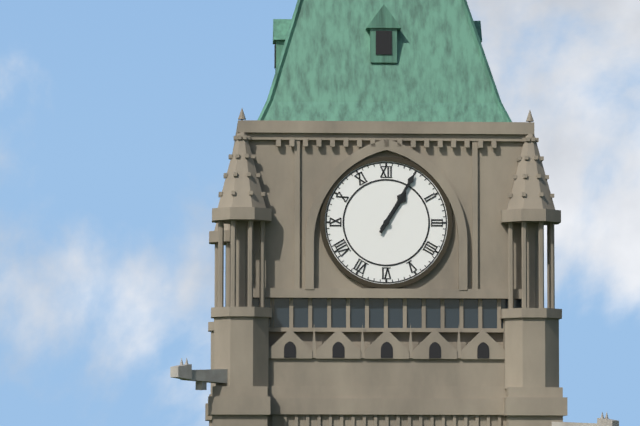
1:05
